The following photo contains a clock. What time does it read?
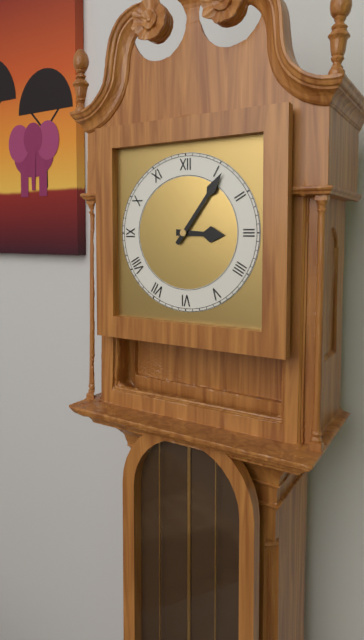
3:06
